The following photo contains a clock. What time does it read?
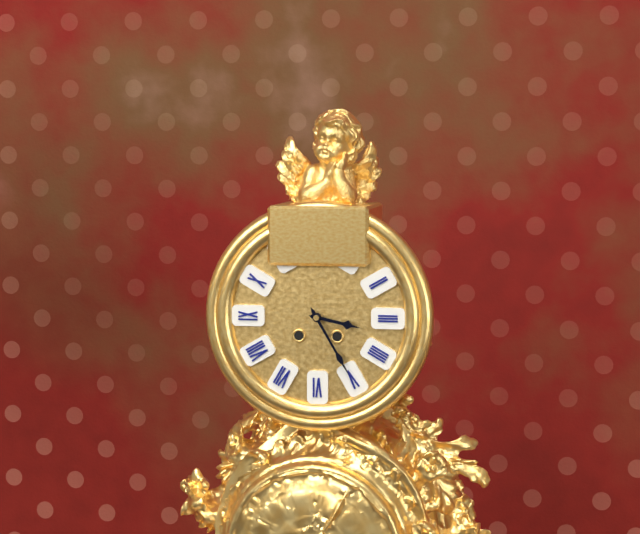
3:25
